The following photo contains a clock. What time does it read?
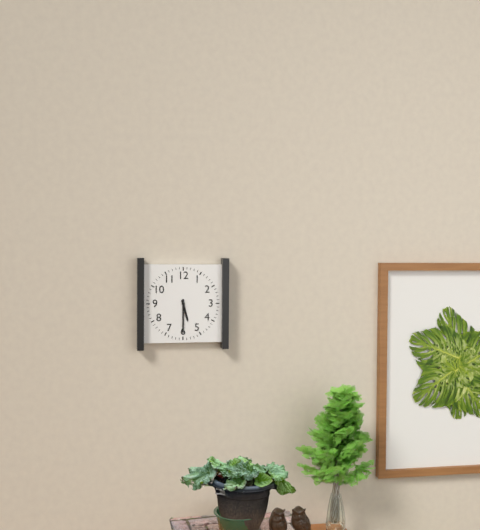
5:30
